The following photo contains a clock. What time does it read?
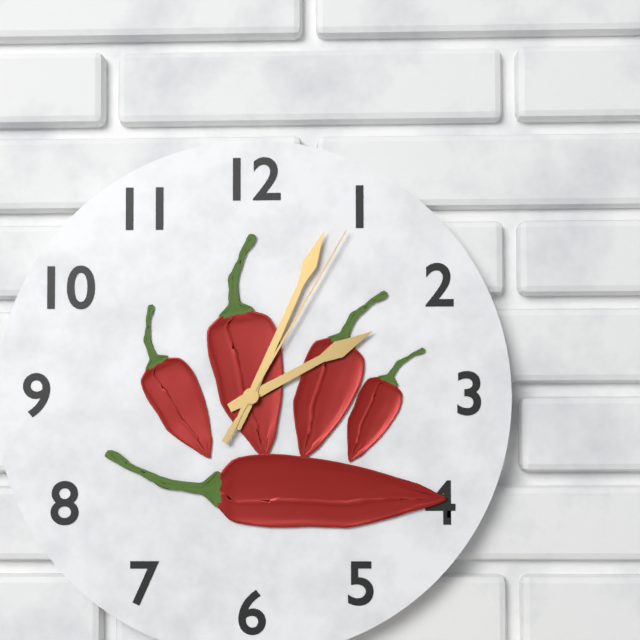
2:04:05
